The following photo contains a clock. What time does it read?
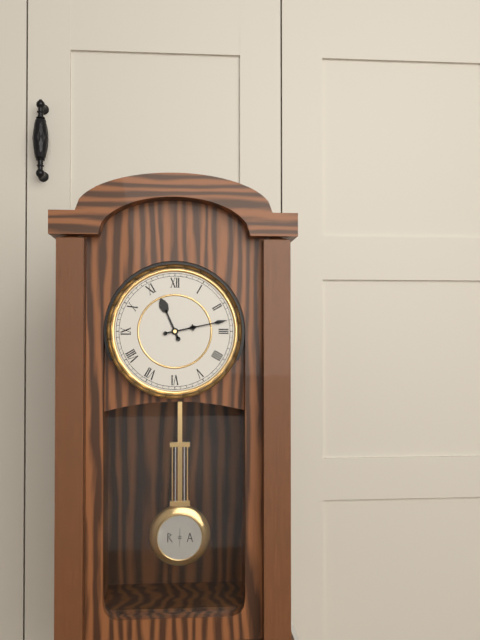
11:13
